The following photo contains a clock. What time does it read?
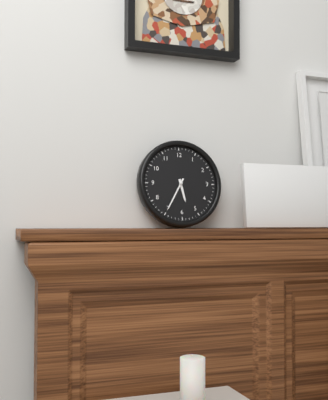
5:35
